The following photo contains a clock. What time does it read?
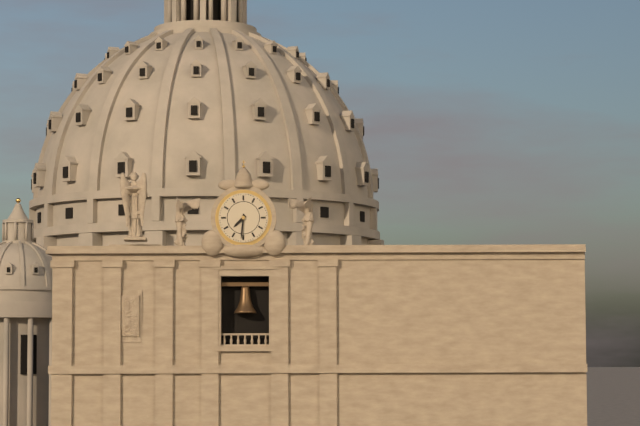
7:31
